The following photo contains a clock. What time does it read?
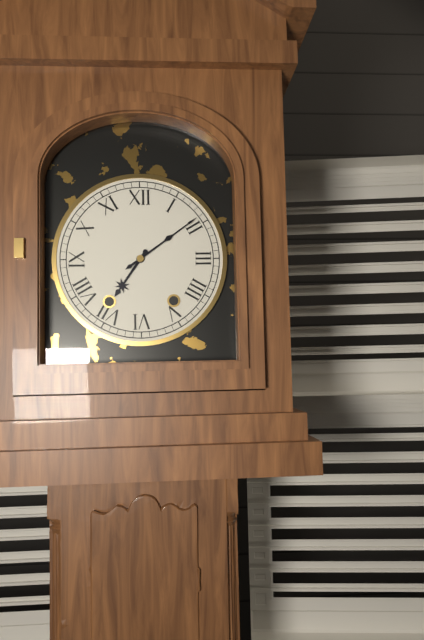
7:09
